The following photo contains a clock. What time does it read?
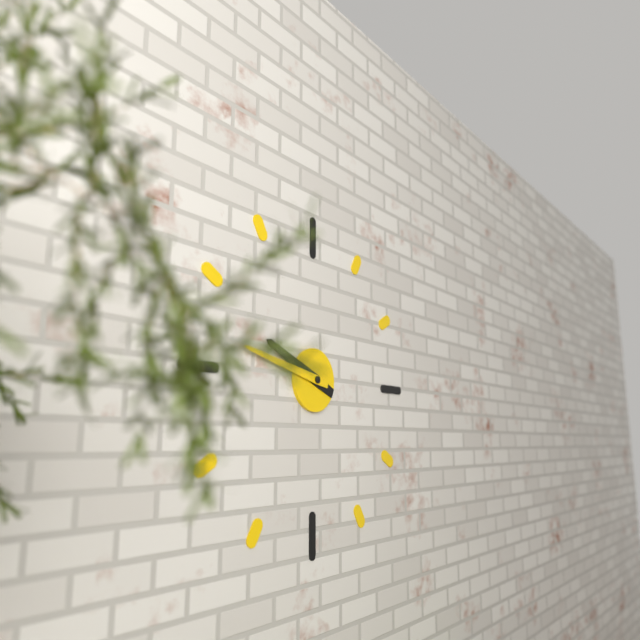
9:47
